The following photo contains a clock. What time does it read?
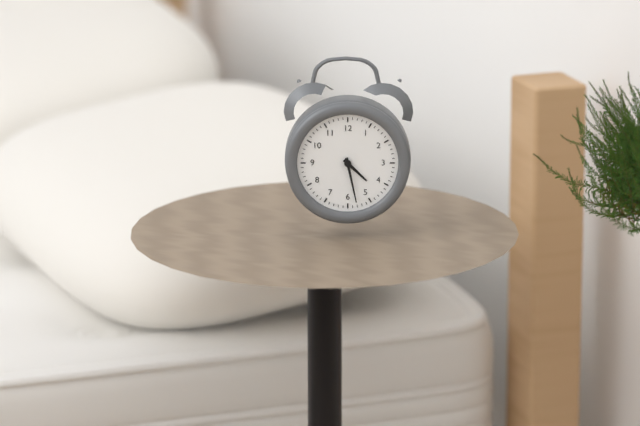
4:28
